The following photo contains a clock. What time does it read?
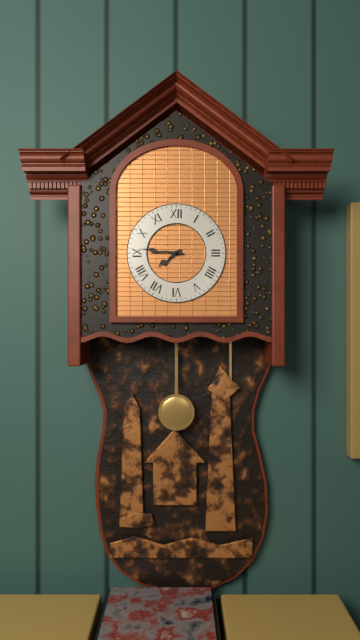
7:46
